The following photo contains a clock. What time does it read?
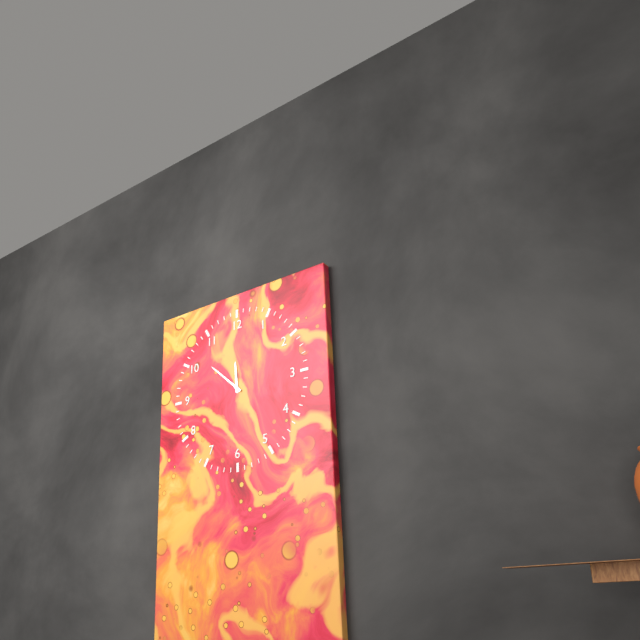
11:52
